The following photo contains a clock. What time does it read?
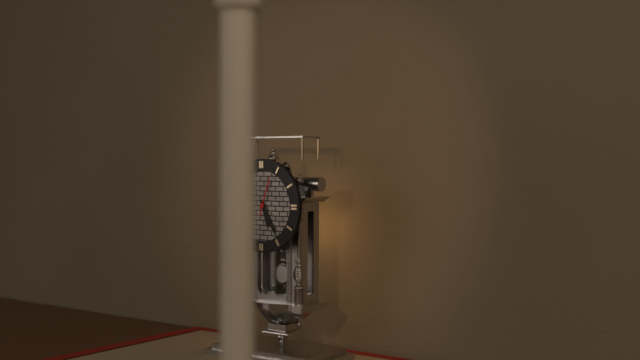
5:25
